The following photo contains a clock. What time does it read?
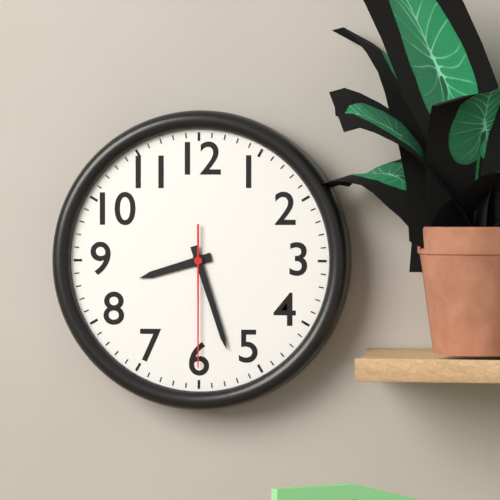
8:27:30
